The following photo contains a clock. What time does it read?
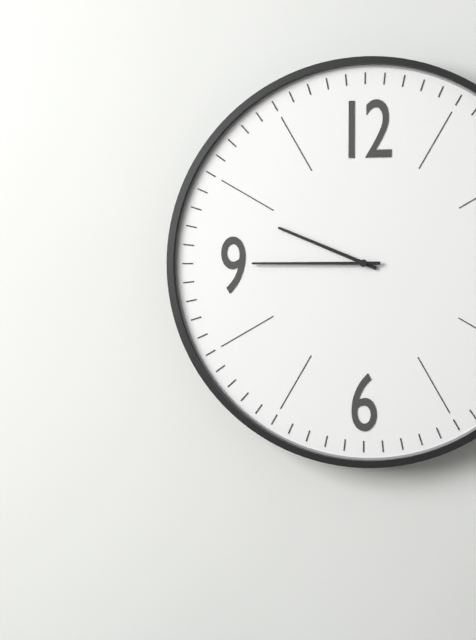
9:45
